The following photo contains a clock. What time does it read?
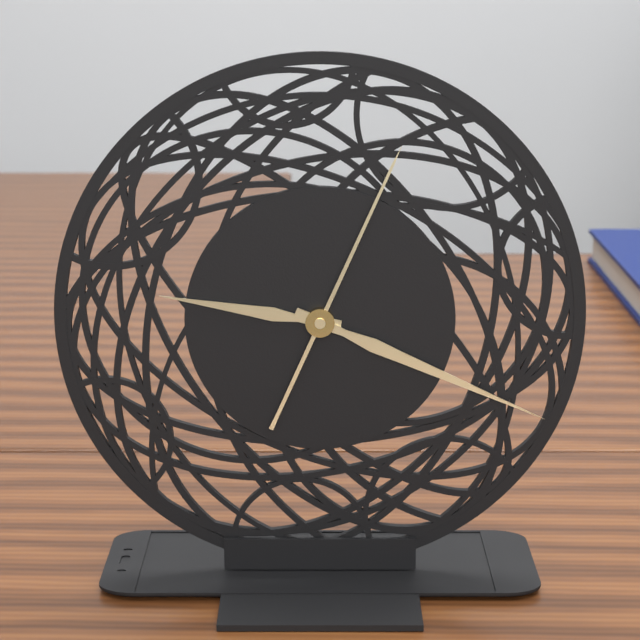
9:19:04
